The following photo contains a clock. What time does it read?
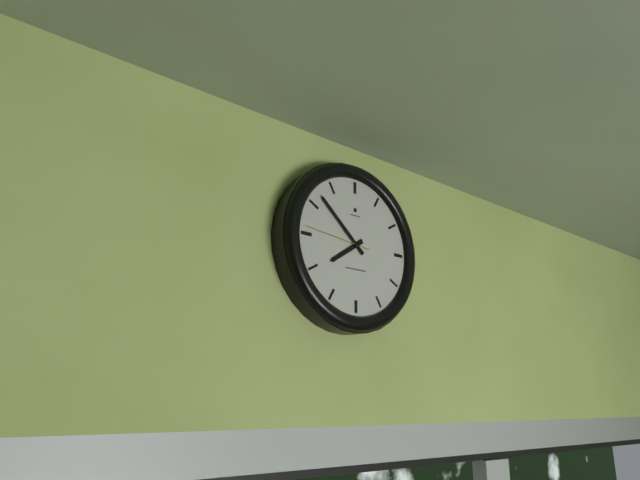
7:52:46
